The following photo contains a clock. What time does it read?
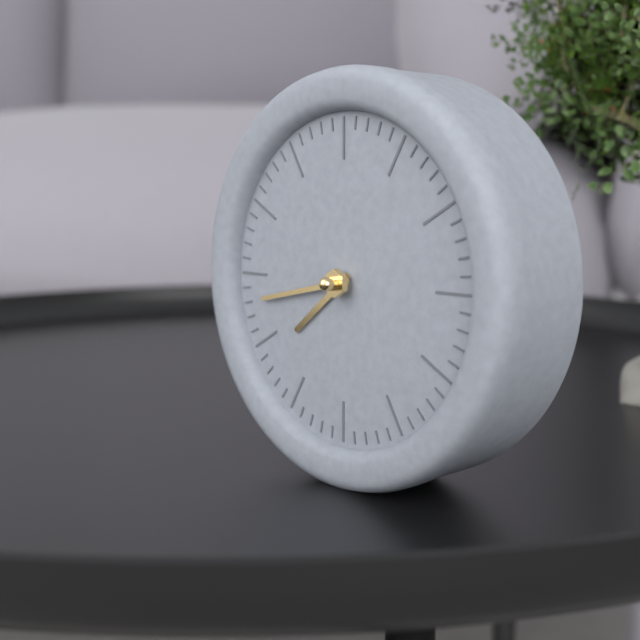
7:43
